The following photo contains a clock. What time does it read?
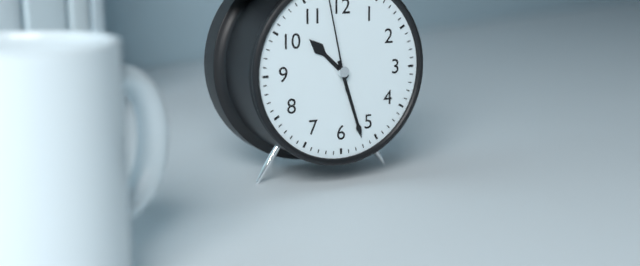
10:27
